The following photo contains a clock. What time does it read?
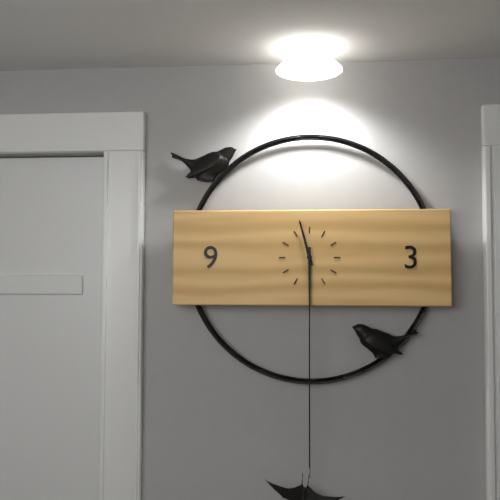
11:30
